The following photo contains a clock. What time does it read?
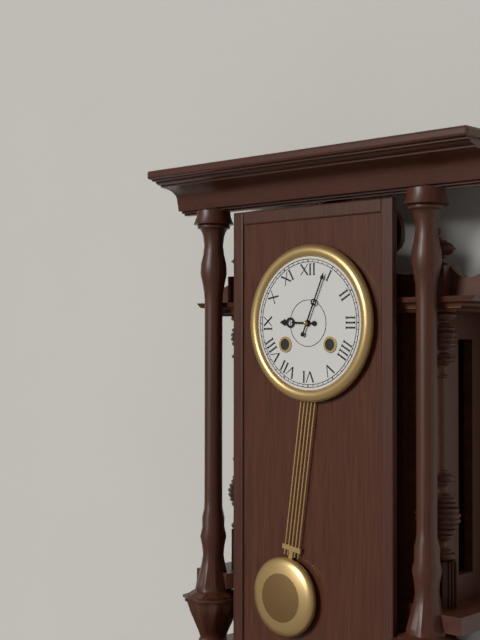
9:04
